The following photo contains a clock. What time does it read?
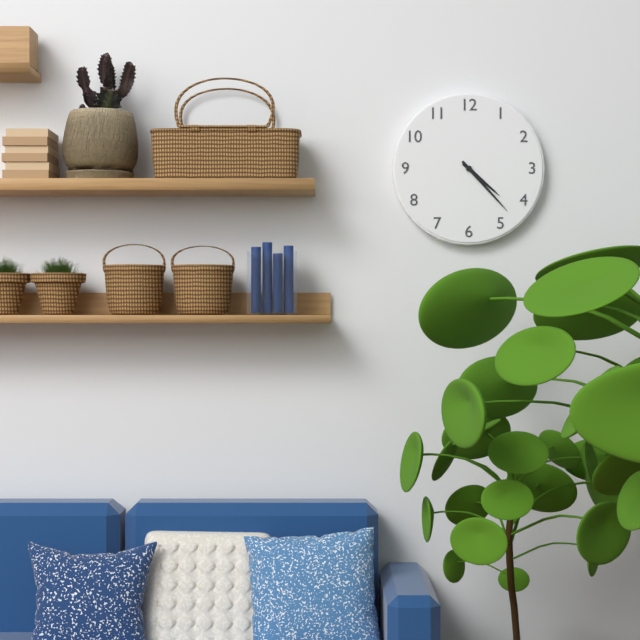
4:23
